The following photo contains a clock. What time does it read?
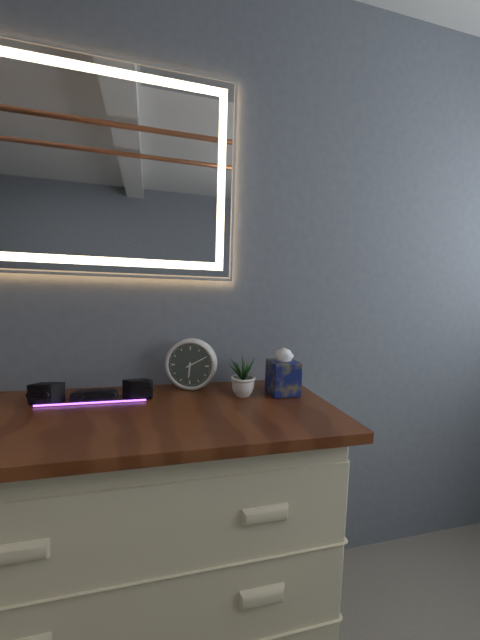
6:10
